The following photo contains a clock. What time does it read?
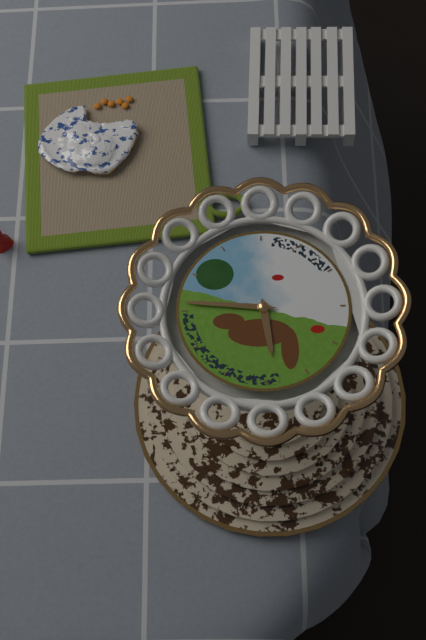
5:46
